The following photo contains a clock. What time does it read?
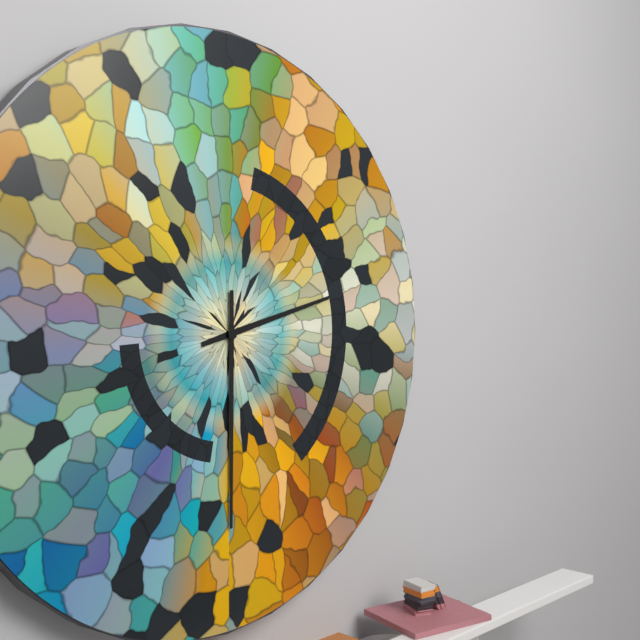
2:30
